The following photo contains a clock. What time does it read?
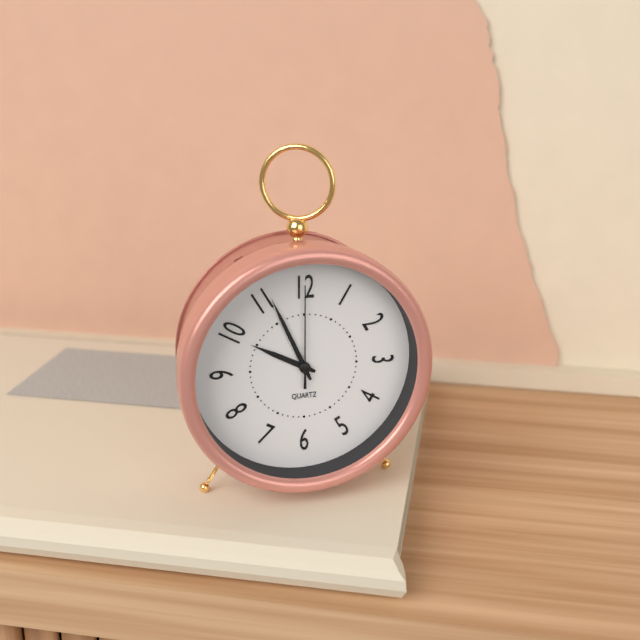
9:56:00
